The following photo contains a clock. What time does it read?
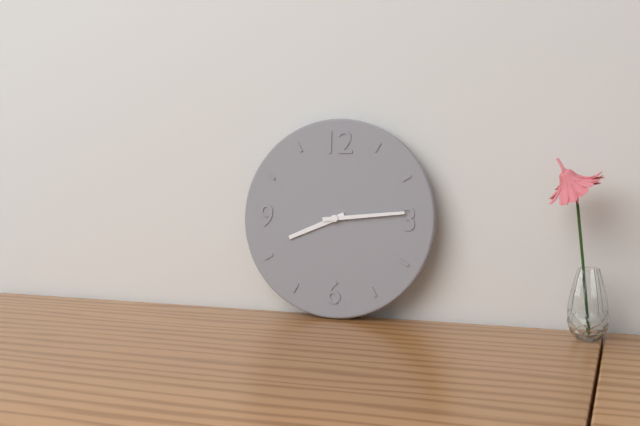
8:14
